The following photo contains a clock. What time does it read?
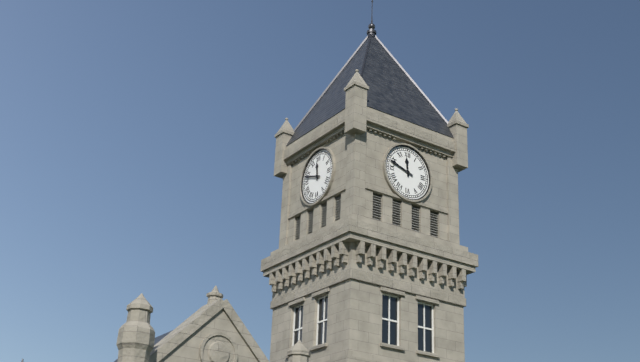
11:48
